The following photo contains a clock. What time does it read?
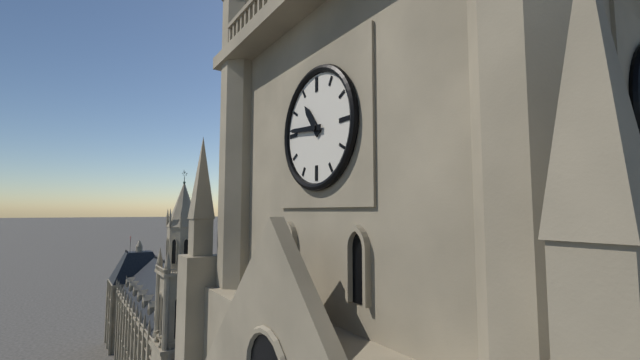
10:46
